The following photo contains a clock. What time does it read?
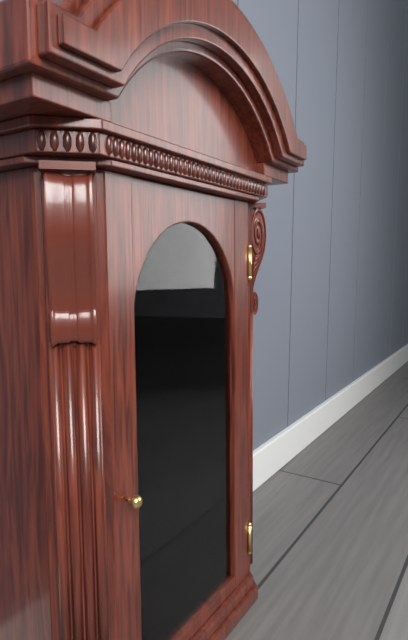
6:15
